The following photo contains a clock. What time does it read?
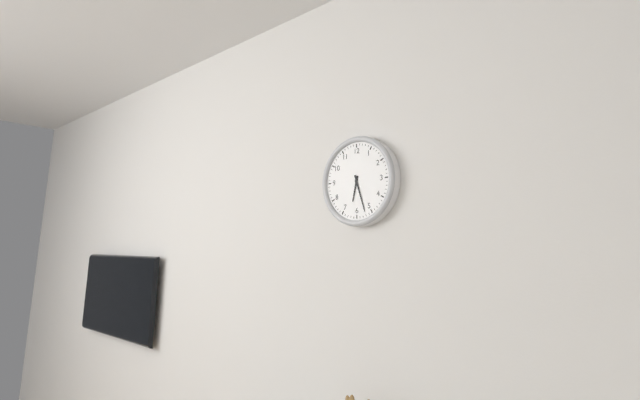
6:27
